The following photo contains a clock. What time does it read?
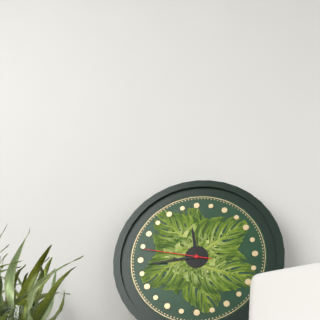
11:44:47
